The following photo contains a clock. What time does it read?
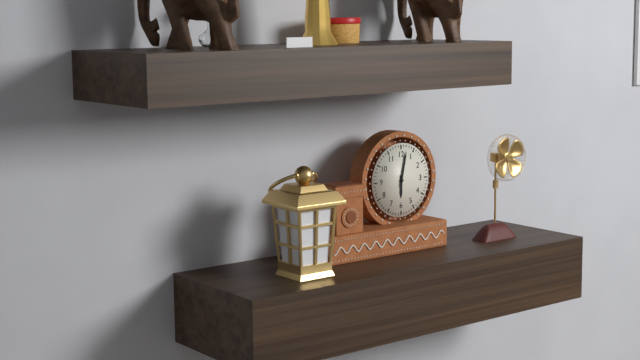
6:02
